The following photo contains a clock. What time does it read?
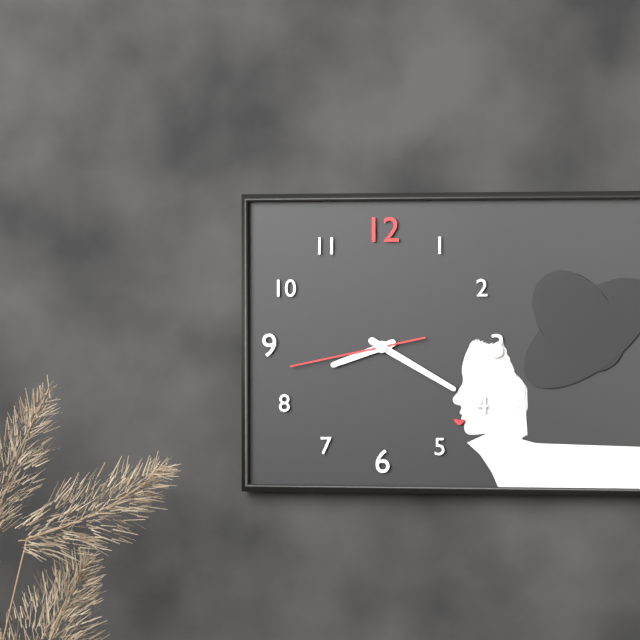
8:20:43
